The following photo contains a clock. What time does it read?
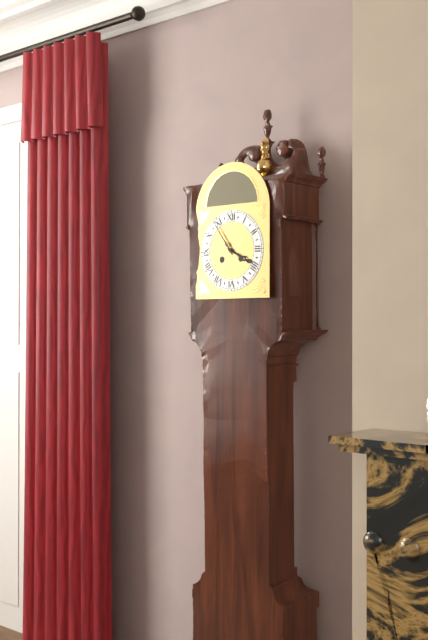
3:54
